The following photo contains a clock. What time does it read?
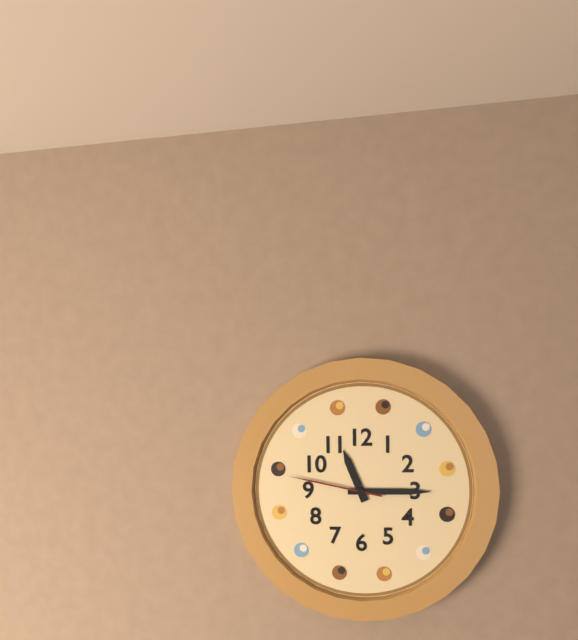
11:15:47
